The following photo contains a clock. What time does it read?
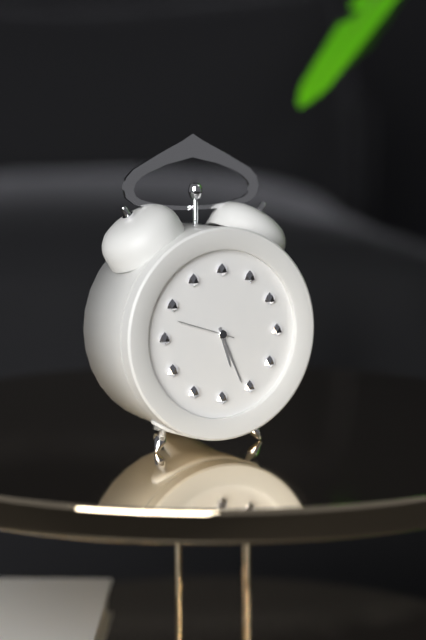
5:26:48
